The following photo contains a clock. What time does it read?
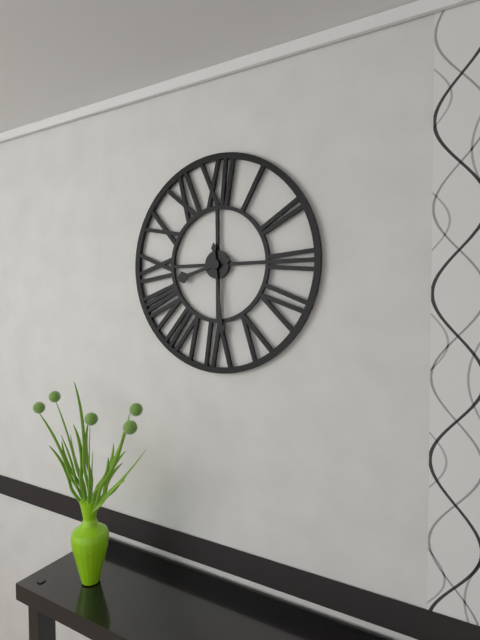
8:29
